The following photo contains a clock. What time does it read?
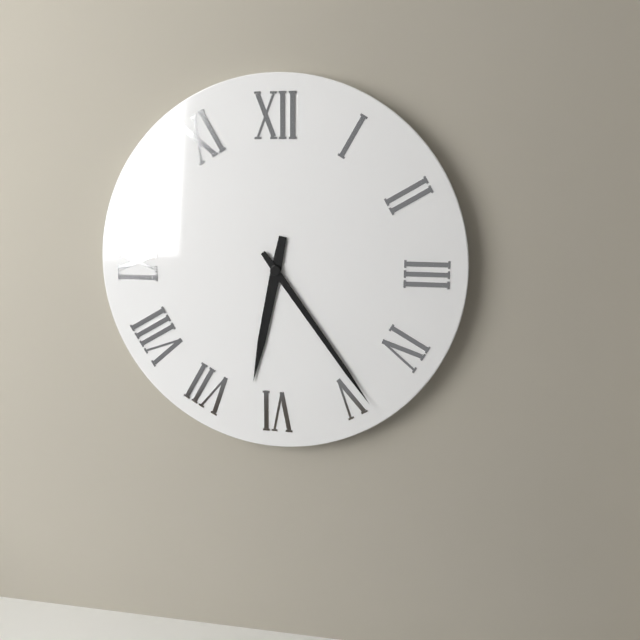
6:24
